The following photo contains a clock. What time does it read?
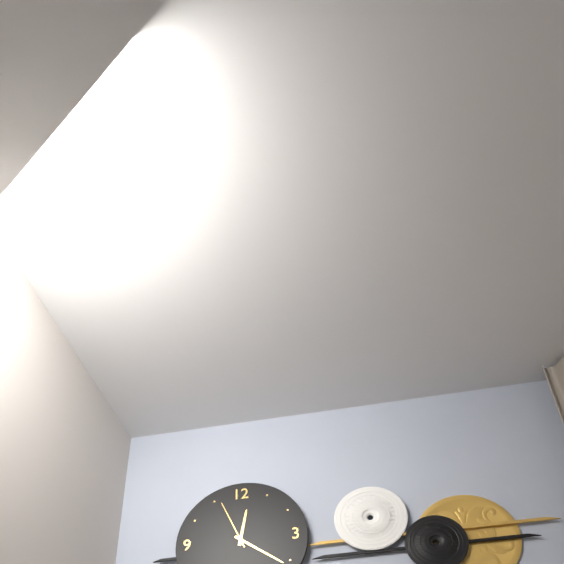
12:21:56
